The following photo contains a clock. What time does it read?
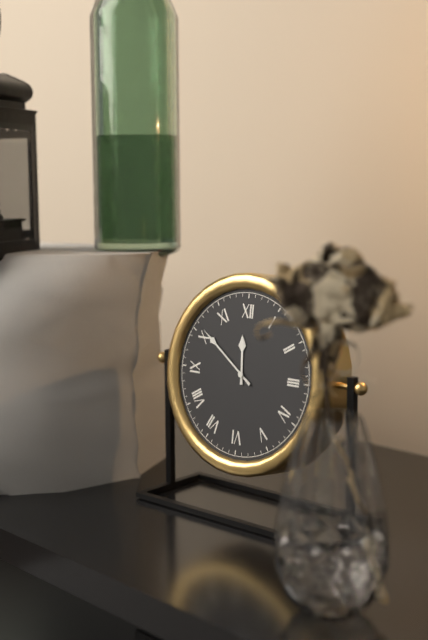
11:51
